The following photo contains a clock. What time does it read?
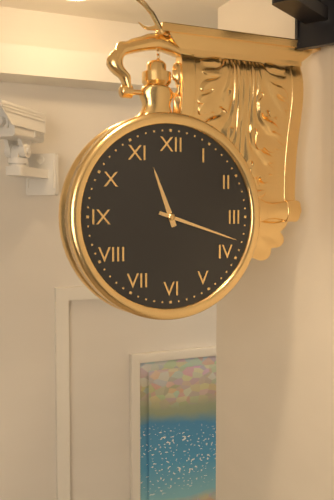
11:18
